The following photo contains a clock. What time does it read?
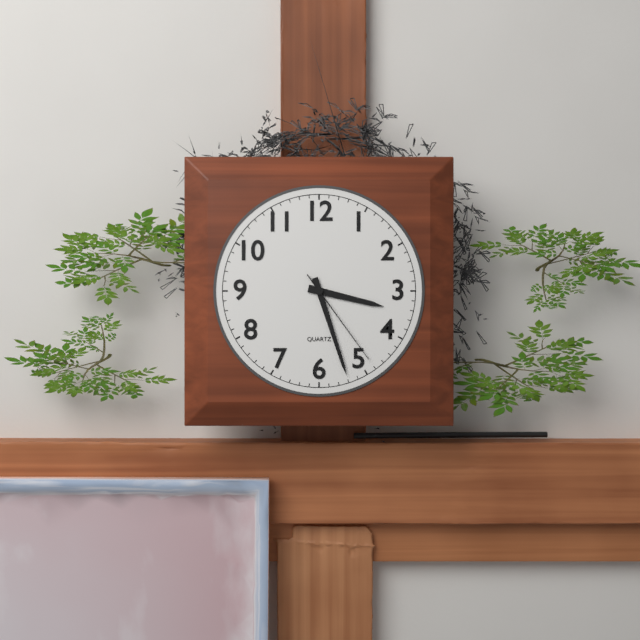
3:27:24
